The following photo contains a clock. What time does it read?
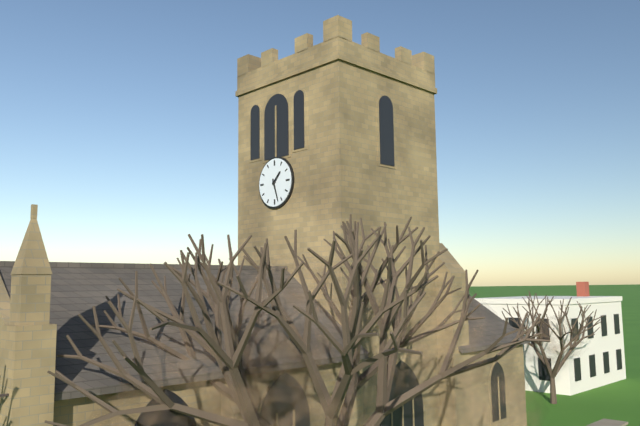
1:27
